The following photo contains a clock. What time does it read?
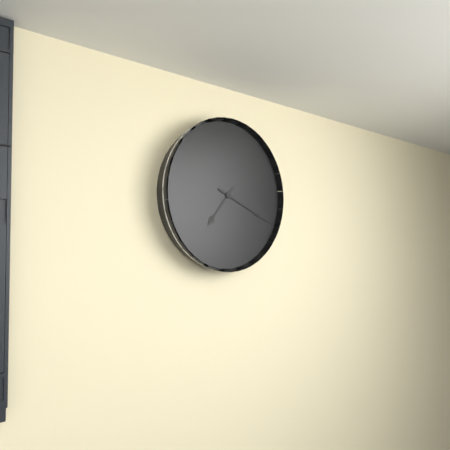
7:19
